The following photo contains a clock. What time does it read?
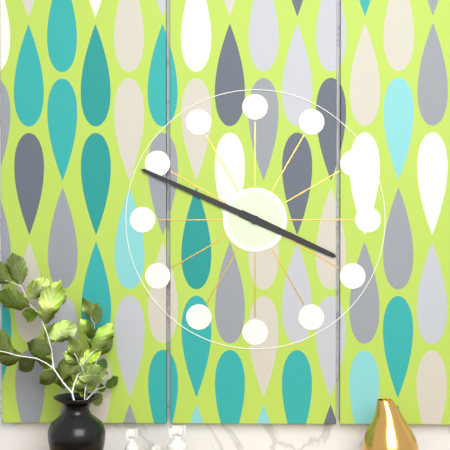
3:49
